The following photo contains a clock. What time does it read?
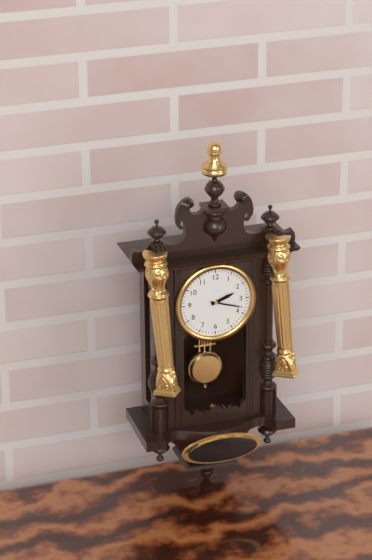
2:18
